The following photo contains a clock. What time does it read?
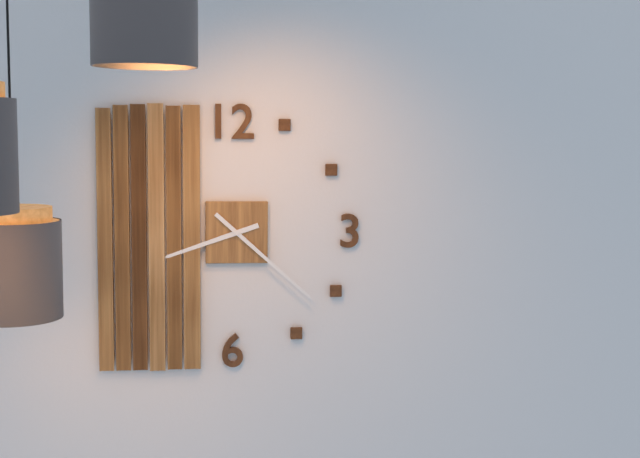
8:22
